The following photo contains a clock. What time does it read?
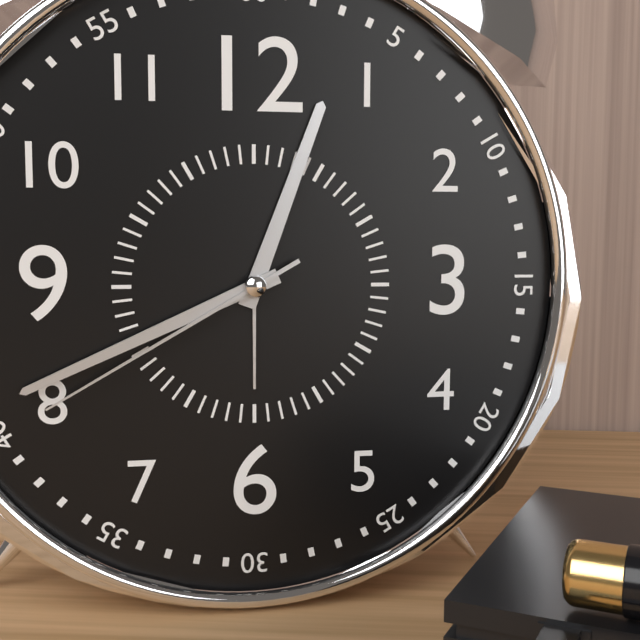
12:41:40
